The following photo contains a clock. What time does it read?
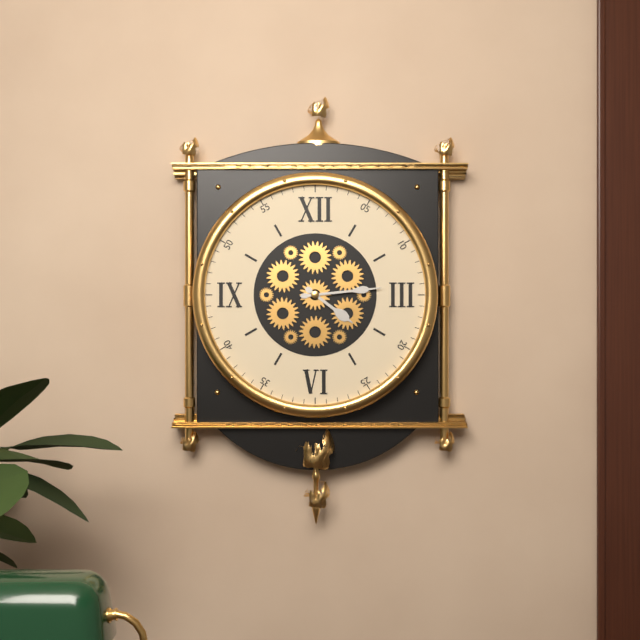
4:14
